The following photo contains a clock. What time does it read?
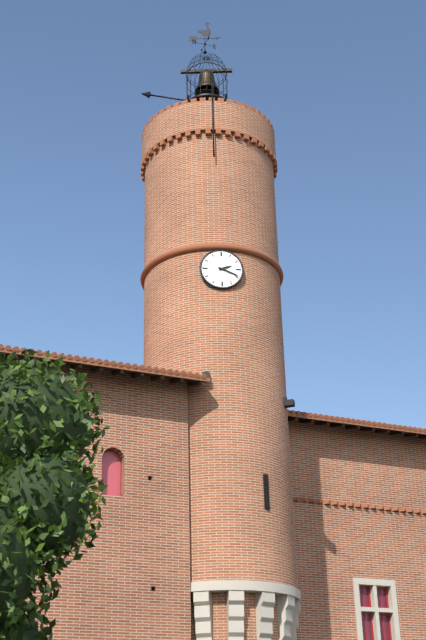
2:19
